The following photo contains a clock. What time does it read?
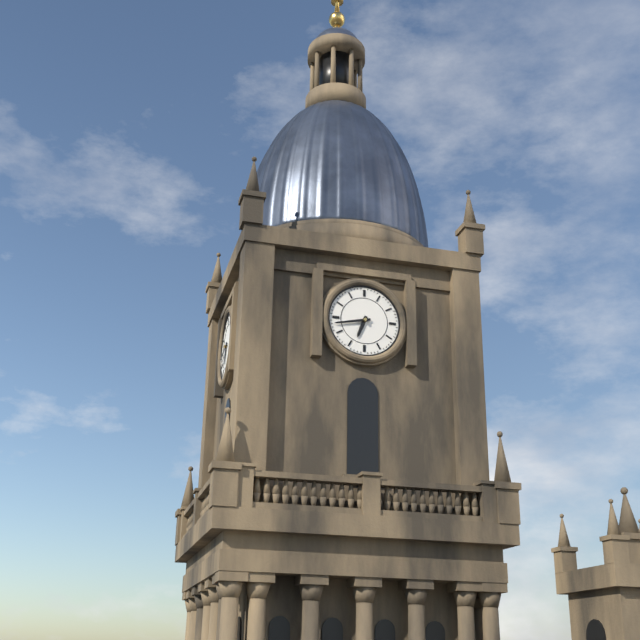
6:43
